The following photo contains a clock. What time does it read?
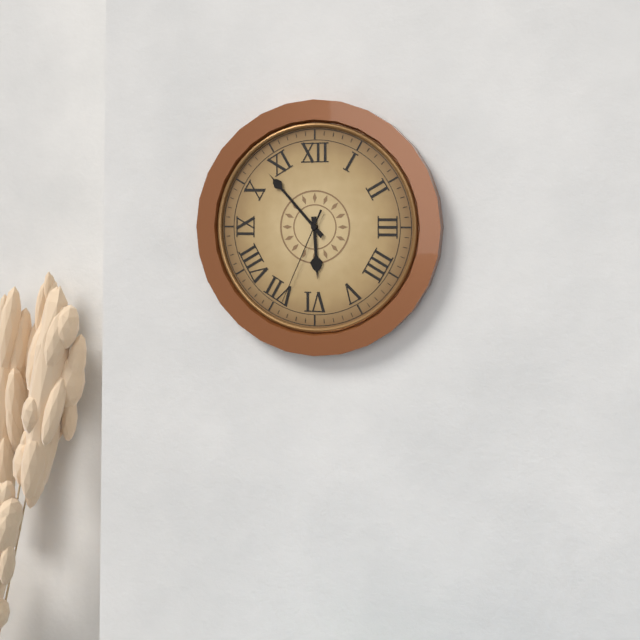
5:53:34
